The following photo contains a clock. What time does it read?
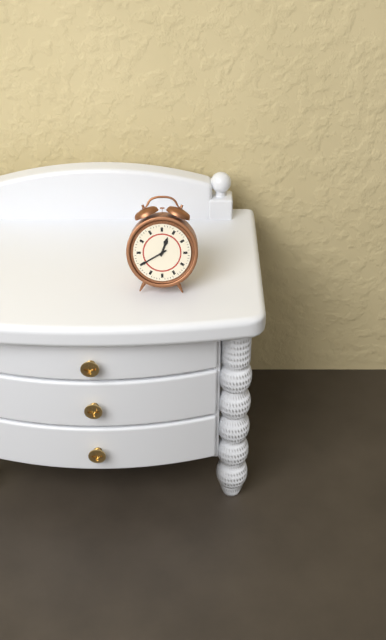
12:40
